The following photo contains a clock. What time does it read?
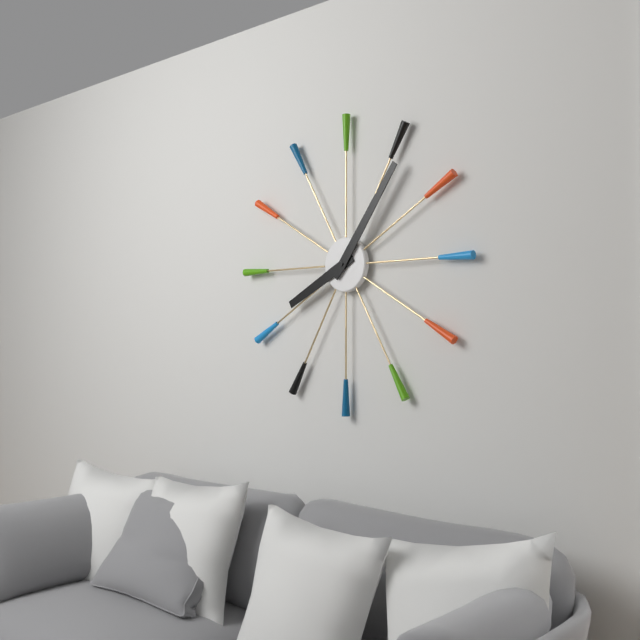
8:06
